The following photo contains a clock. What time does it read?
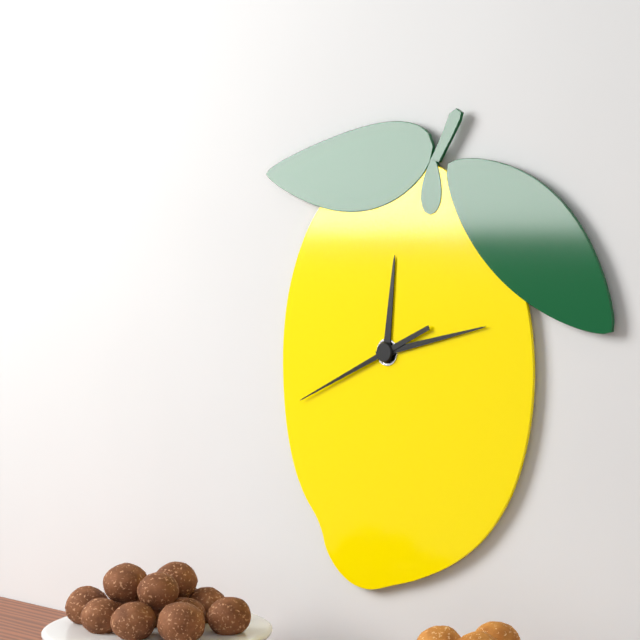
12:13:41
